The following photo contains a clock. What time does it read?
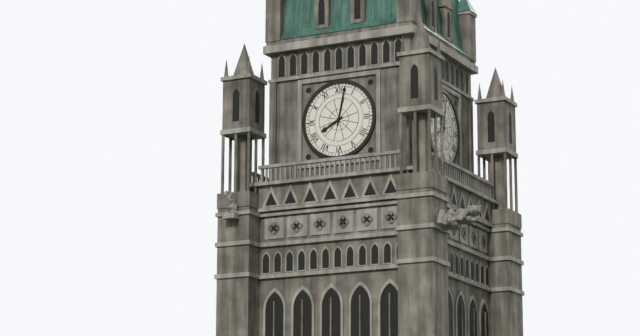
8:02
